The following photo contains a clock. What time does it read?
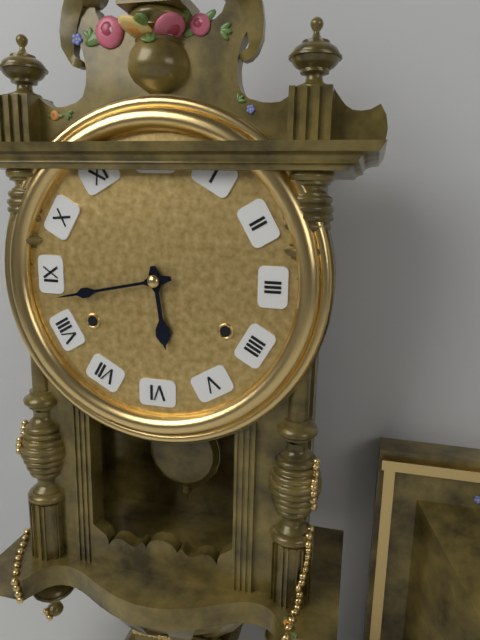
5:43
